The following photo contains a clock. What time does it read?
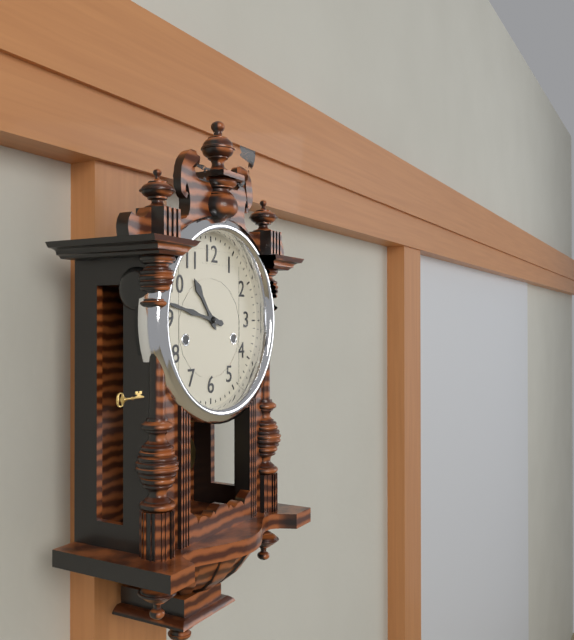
10:47
